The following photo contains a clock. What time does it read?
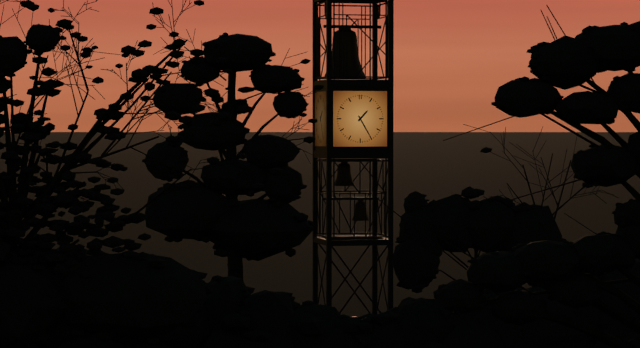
1:25
